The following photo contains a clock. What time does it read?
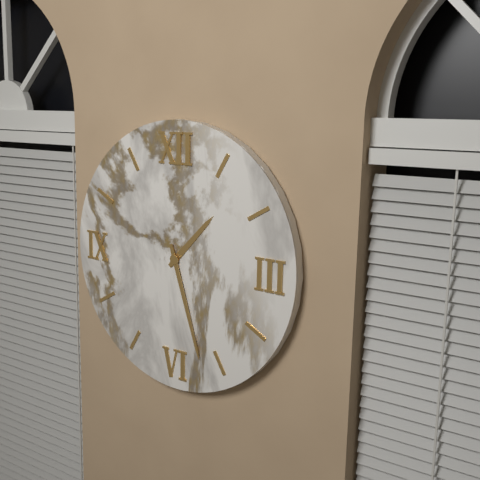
1:27
